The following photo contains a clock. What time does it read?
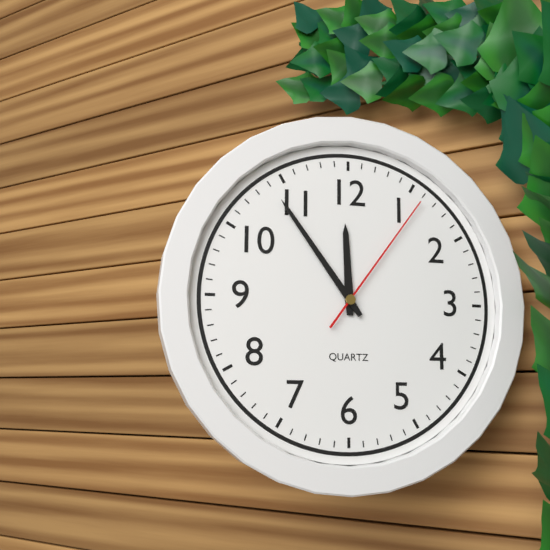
11:54:06
